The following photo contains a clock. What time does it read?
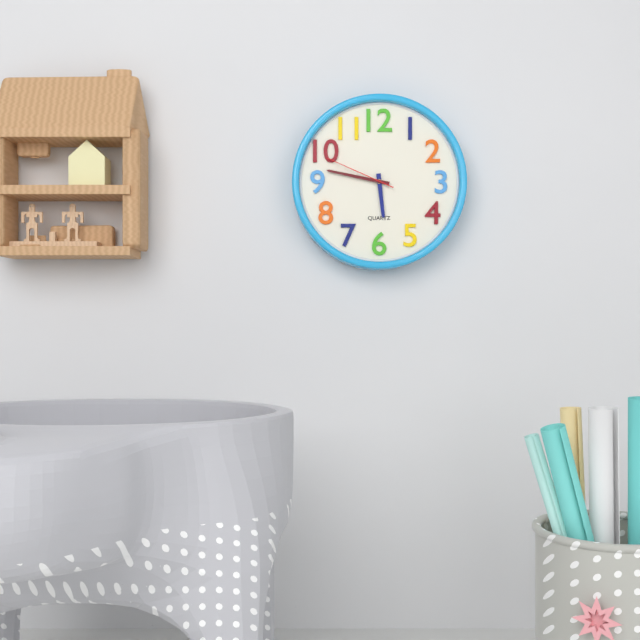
5:47:49
